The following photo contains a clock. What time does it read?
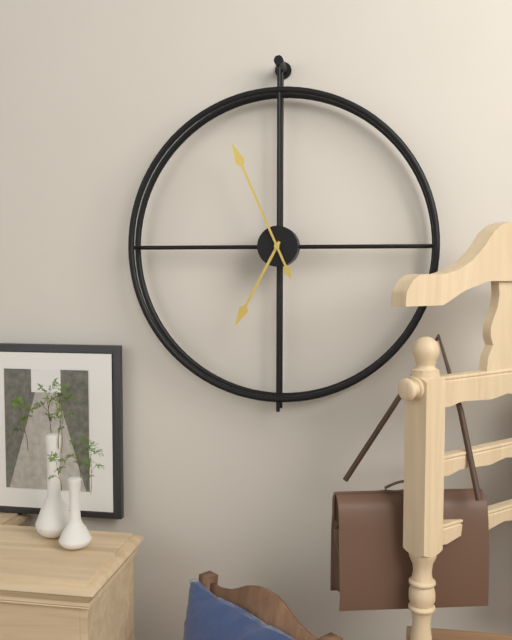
6:56
